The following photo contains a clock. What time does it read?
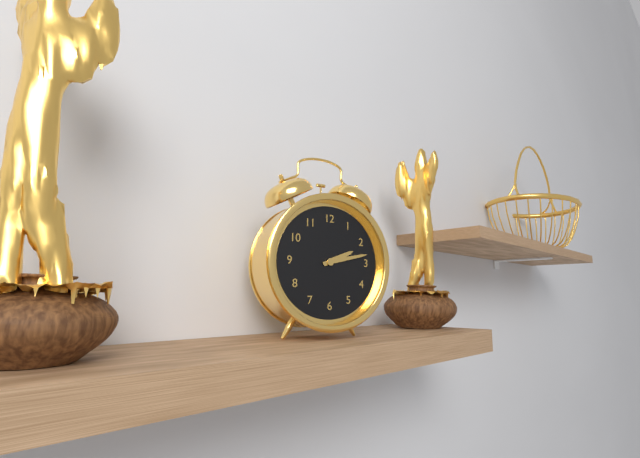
2:13
